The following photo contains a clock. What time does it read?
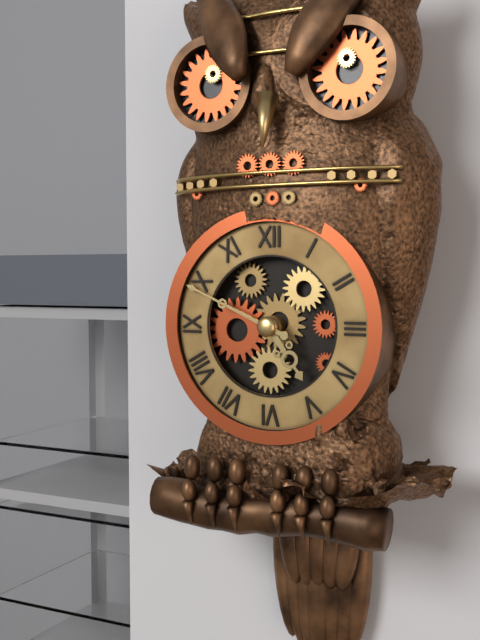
4:49
